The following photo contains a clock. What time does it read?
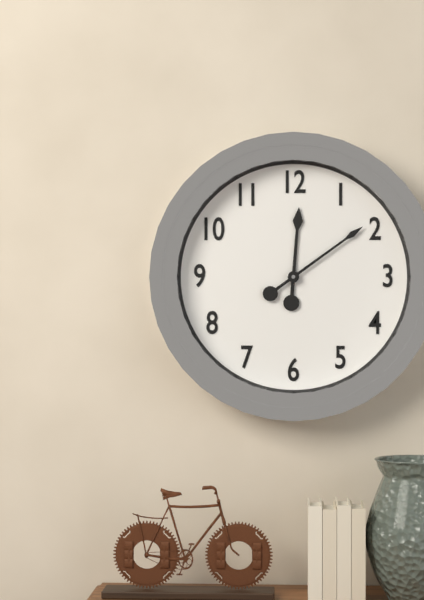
12:09
